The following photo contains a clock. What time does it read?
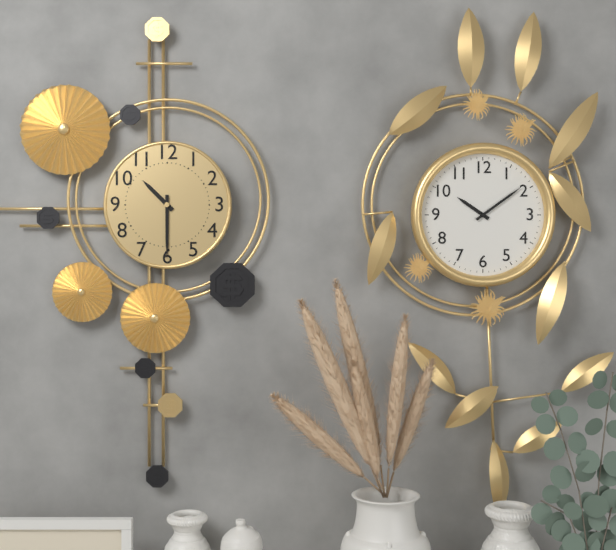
10:30
